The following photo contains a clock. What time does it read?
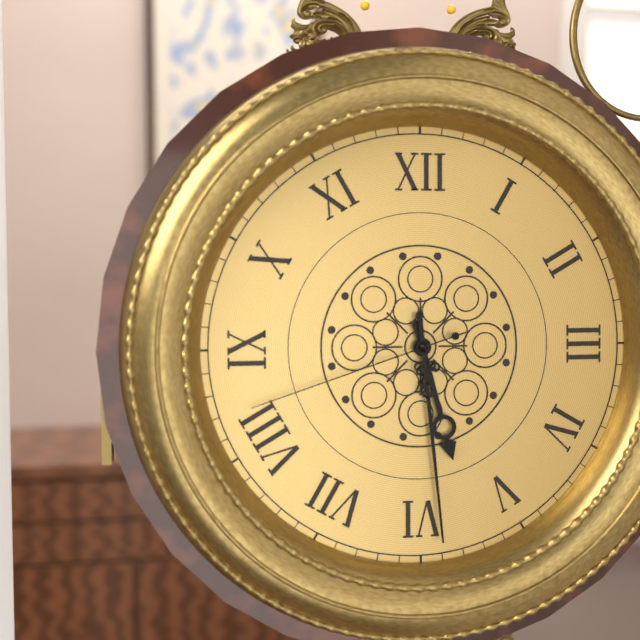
5:29:42
